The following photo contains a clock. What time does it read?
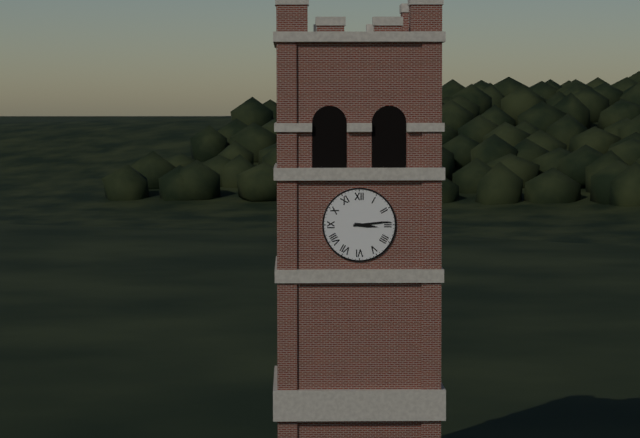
3:14
